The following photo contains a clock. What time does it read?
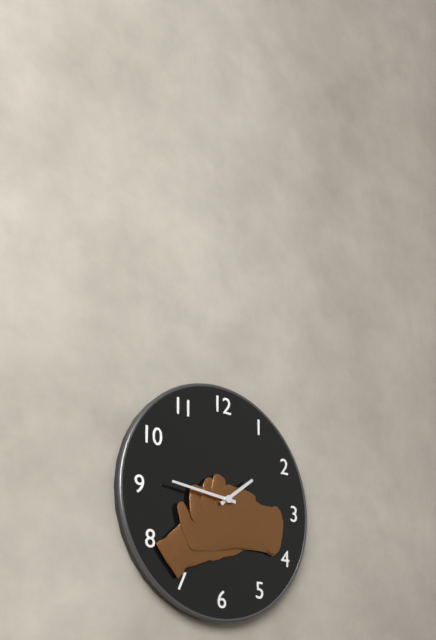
1:46
